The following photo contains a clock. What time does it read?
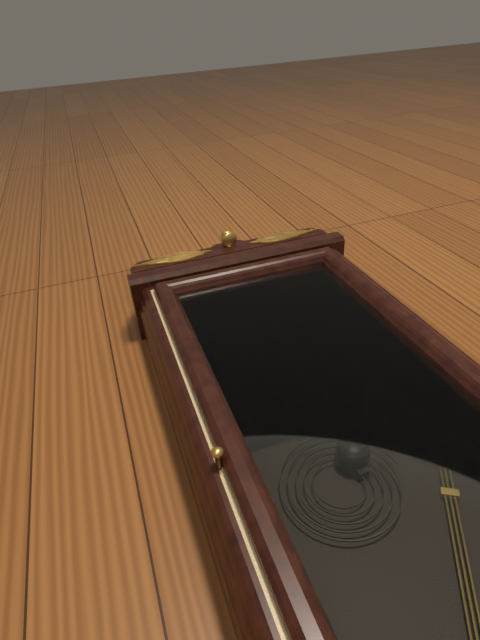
7:02
